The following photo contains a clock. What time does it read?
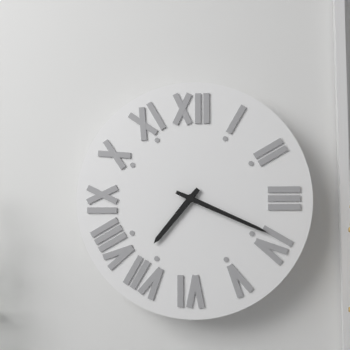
7:19
